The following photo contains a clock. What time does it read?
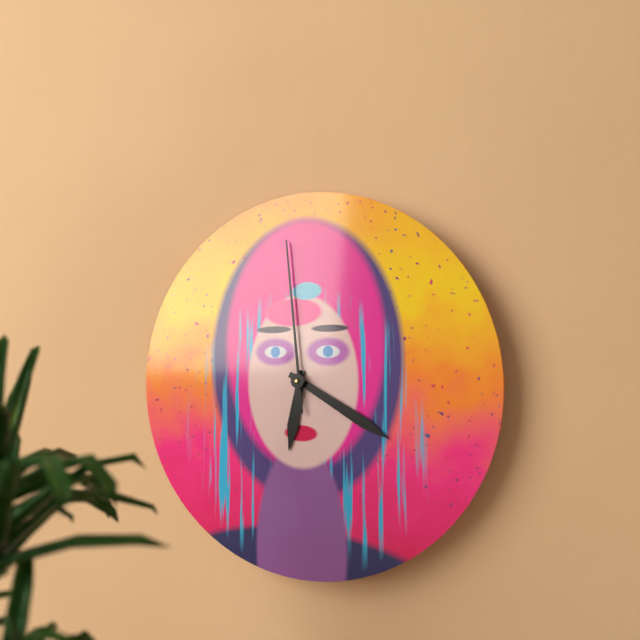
6:20:59
